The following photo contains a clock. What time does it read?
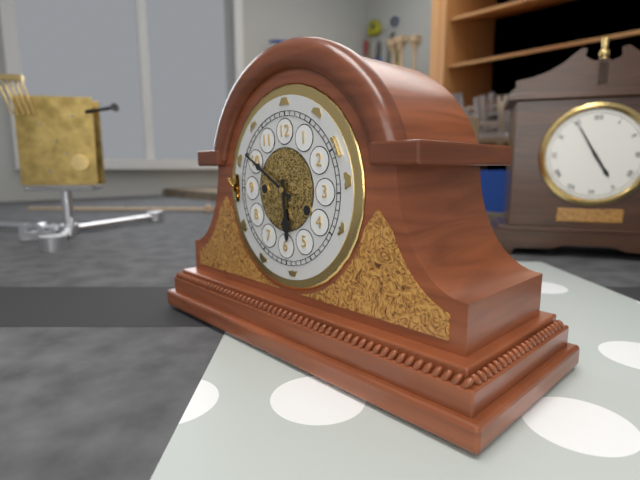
5:50
